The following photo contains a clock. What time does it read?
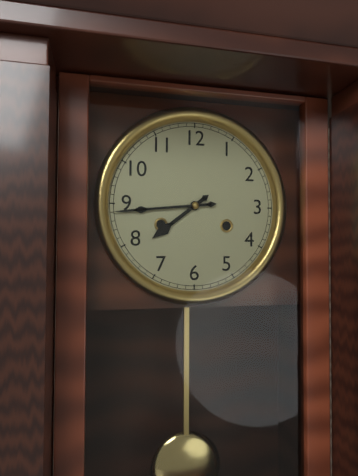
7:44
